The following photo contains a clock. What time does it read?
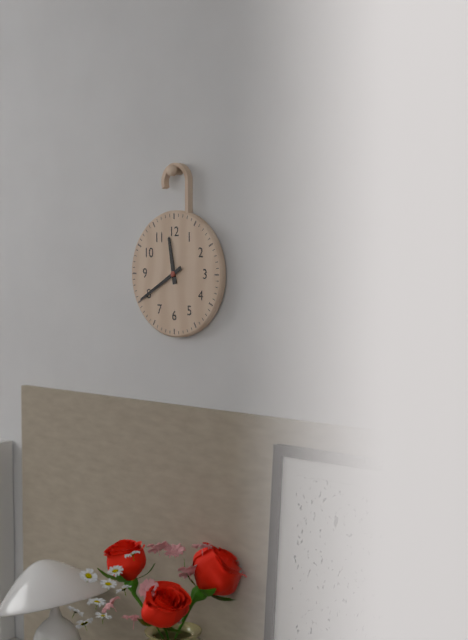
11:40
